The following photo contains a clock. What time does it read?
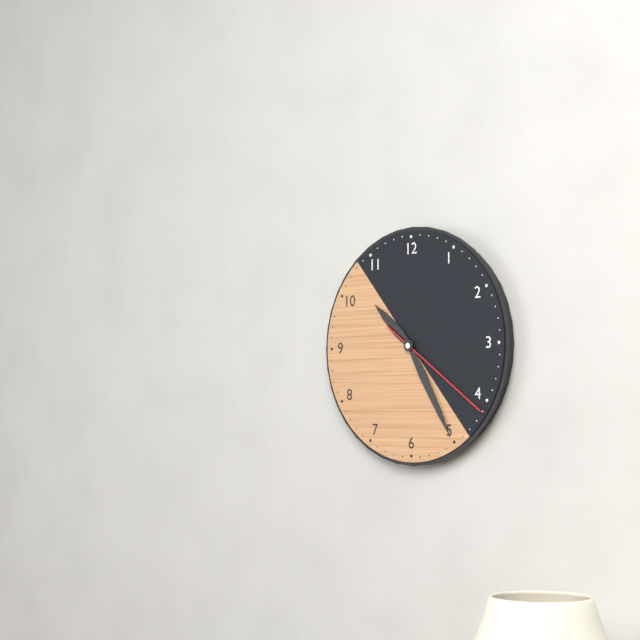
10:25:21
